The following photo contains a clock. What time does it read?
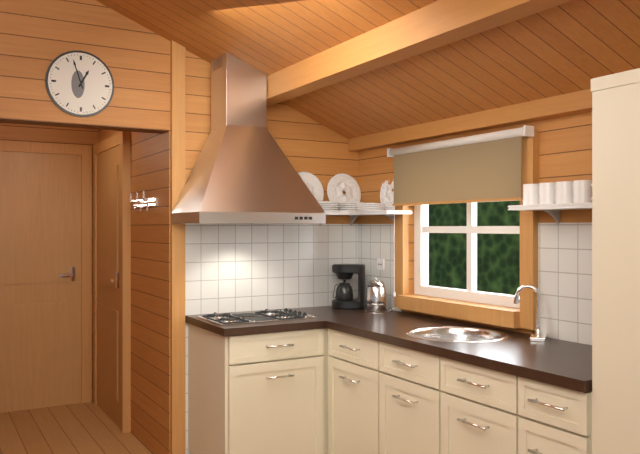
12:57
